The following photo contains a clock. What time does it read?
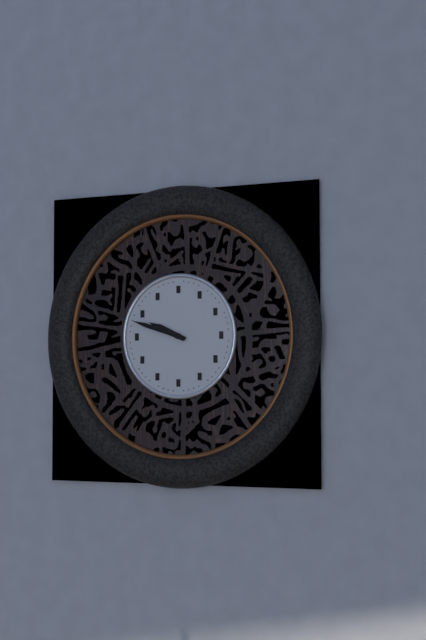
9:48
